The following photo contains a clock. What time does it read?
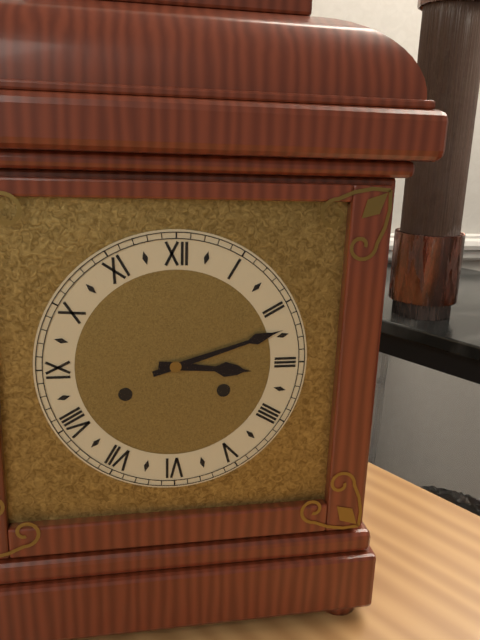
3:12
